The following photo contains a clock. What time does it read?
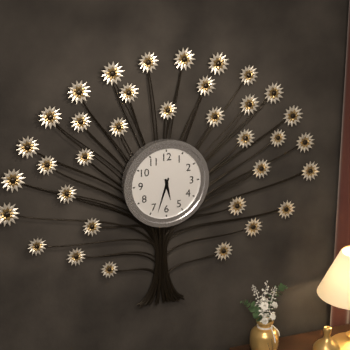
5:33
